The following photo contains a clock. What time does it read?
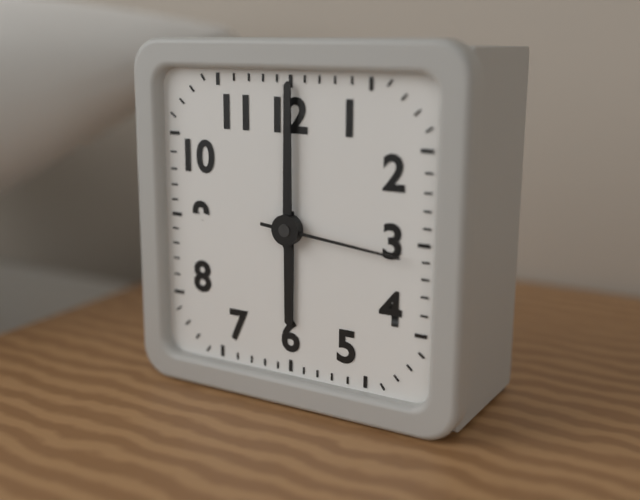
6:00:16
